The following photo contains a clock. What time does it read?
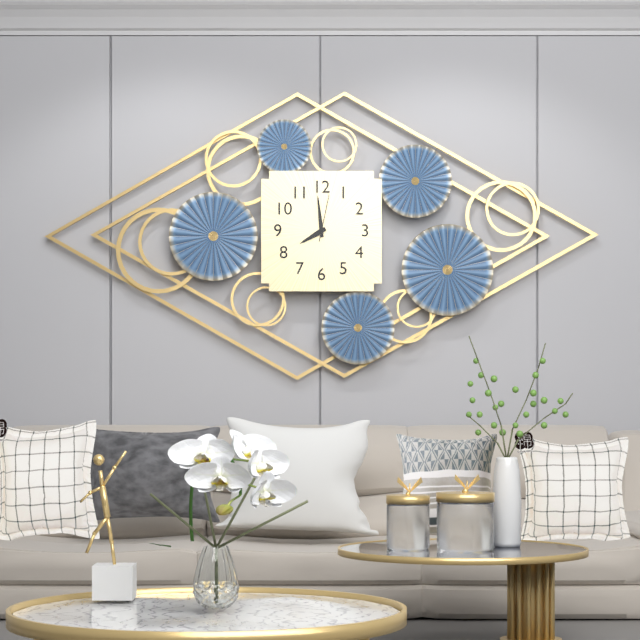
7:59
